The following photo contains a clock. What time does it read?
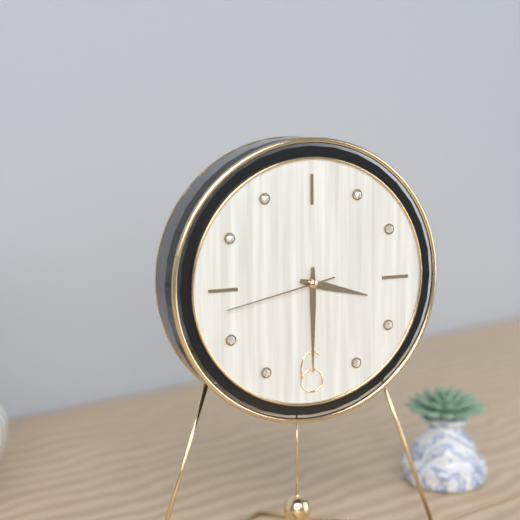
3:30:43
